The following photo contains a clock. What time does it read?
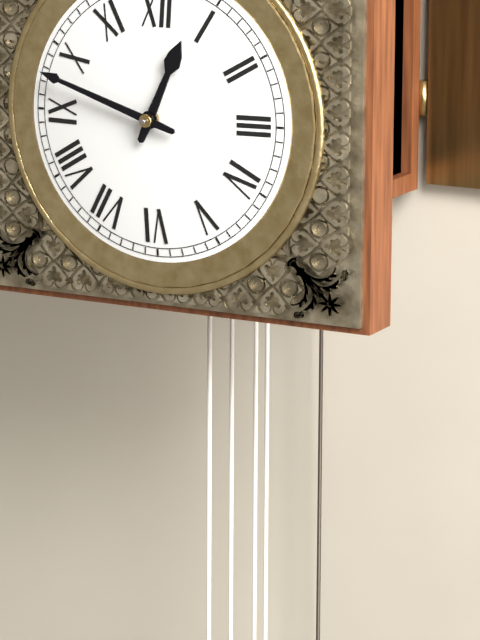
12:48
